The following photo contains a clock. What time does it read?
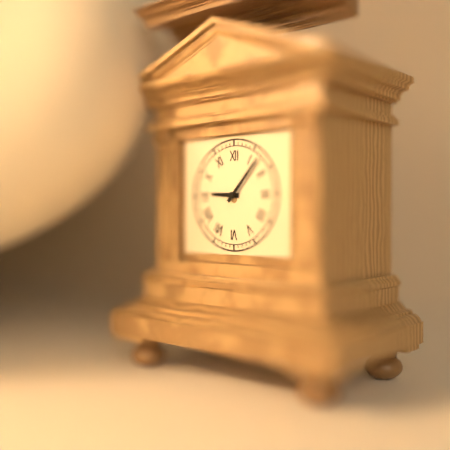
9:07
